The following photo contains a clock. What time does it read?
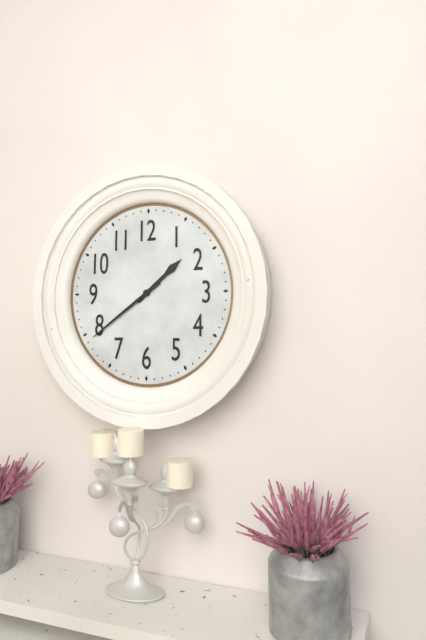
1:39
